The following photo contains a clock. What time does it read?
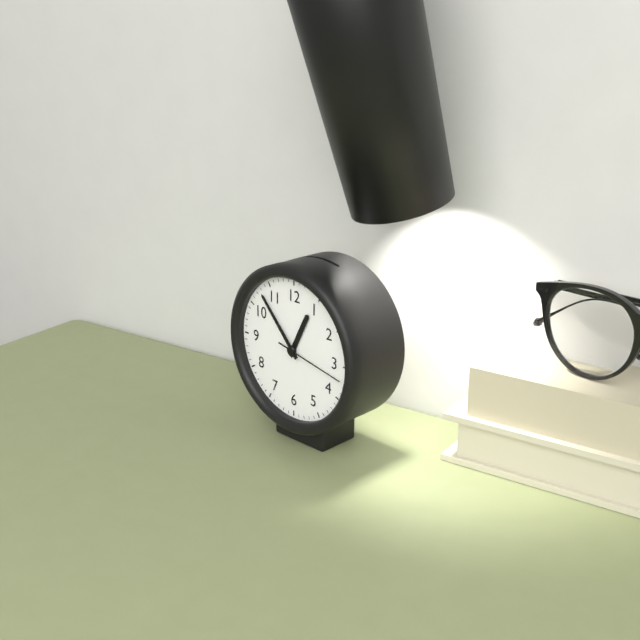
12:53:17
